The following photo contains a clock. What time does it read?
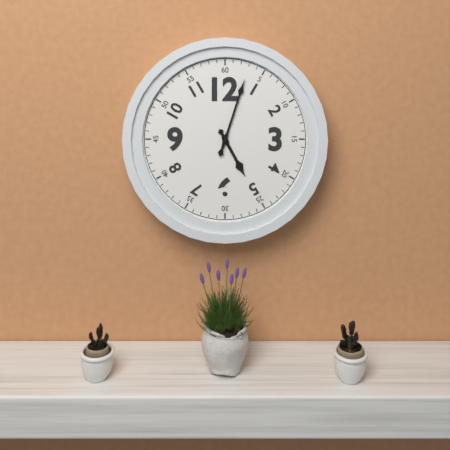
5:03
